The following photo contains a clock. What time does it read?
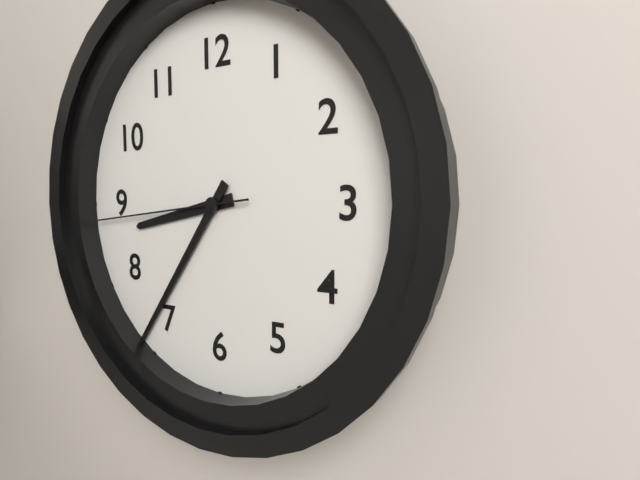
8:36:44
